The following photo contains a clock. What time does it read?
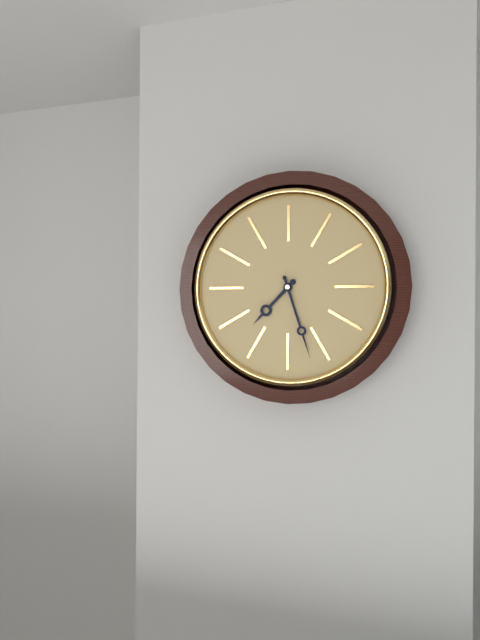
7:27
